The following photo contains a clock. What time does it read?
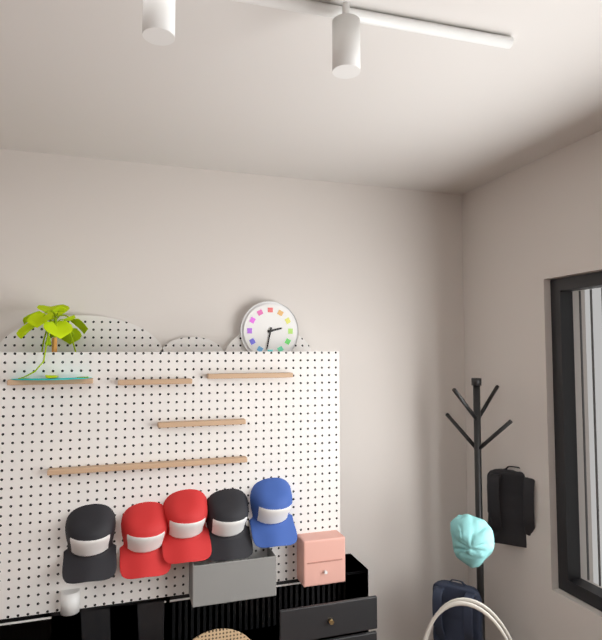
2:32
